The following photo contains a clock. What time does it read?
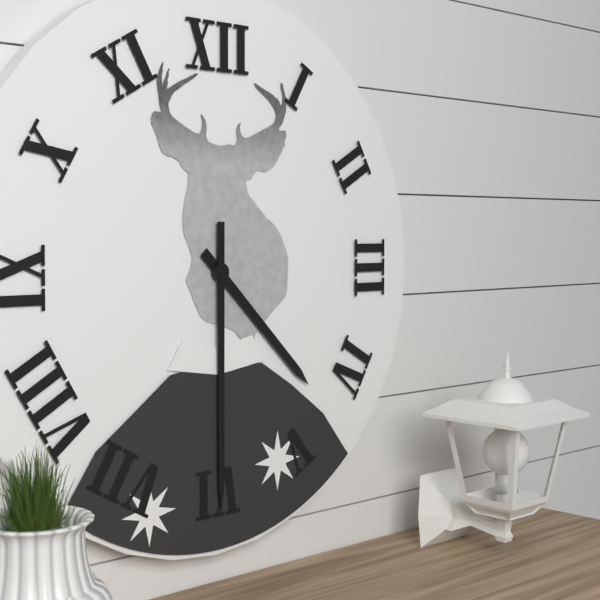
4:30
